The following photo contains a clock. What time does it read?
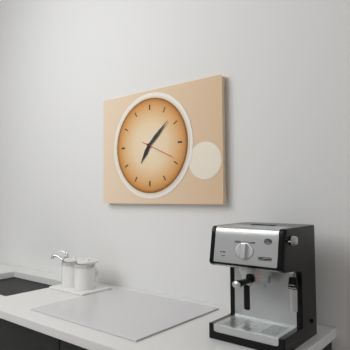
7:08
